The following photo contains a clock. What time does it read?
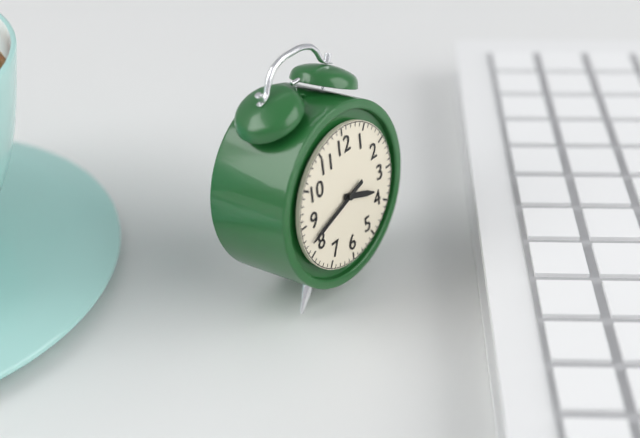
3:42
